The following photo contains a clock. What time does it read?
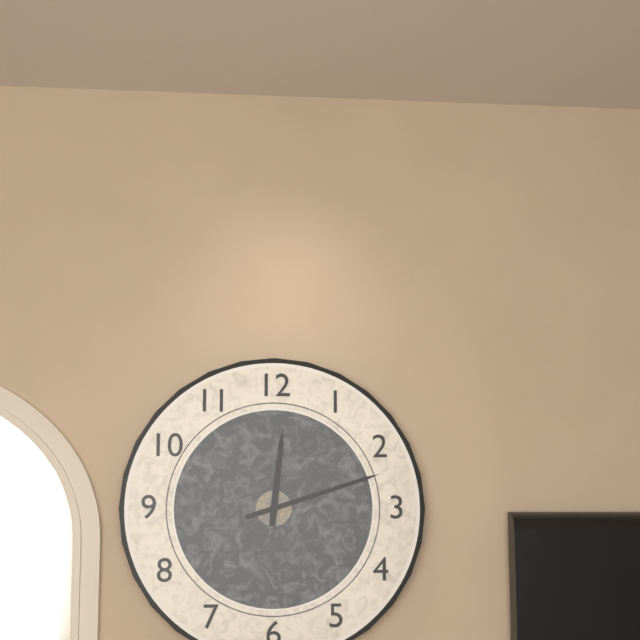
12:12
